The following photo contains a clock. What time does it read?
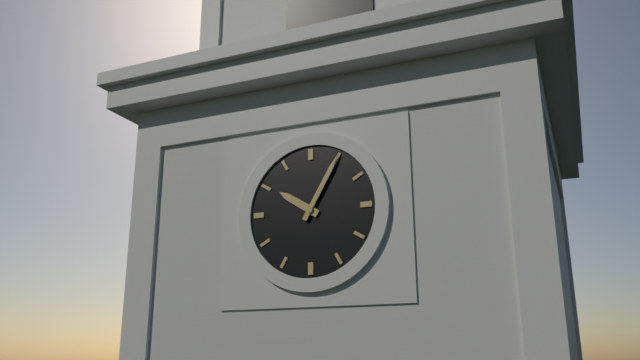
10:05
